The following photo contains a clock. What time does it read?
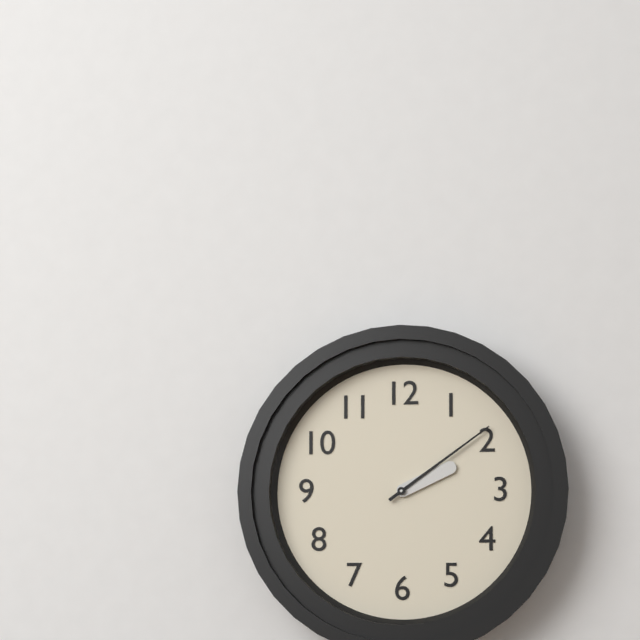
2:09
